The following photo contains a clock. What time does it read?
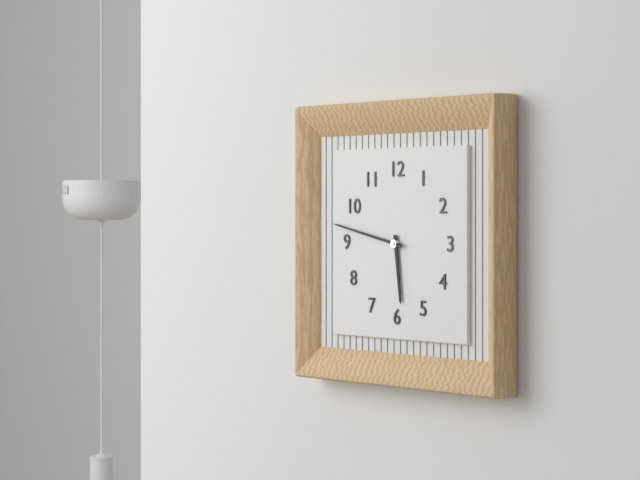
5:47
